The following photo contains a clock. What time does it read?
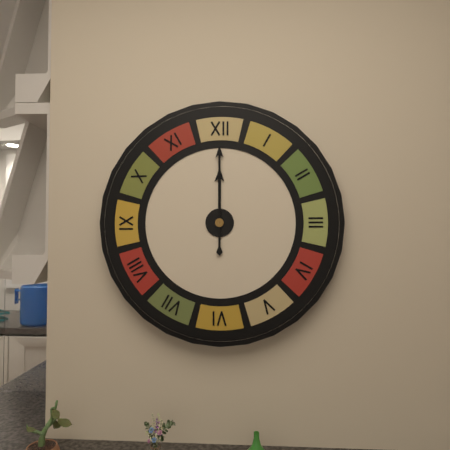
12:00
